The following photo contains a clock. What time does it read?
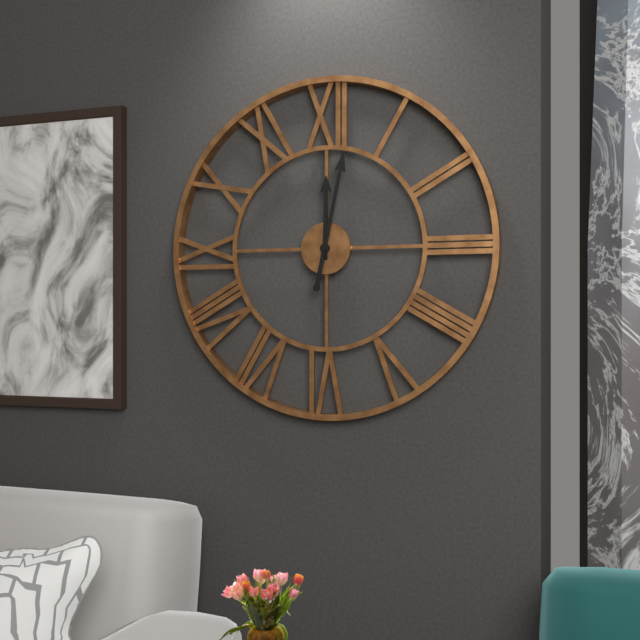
12:02
